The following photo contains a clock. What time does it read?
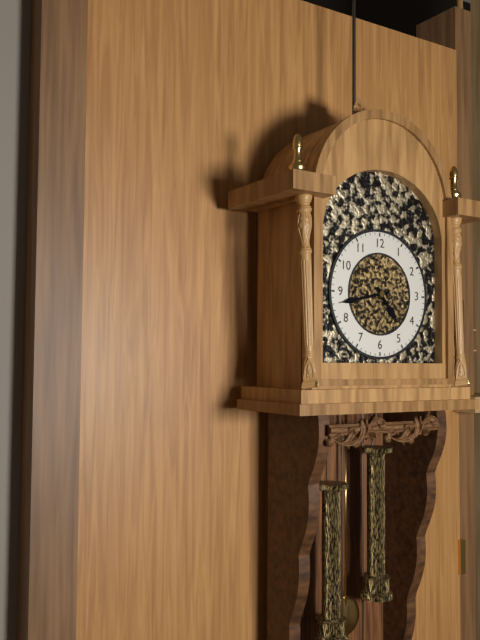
4:43
